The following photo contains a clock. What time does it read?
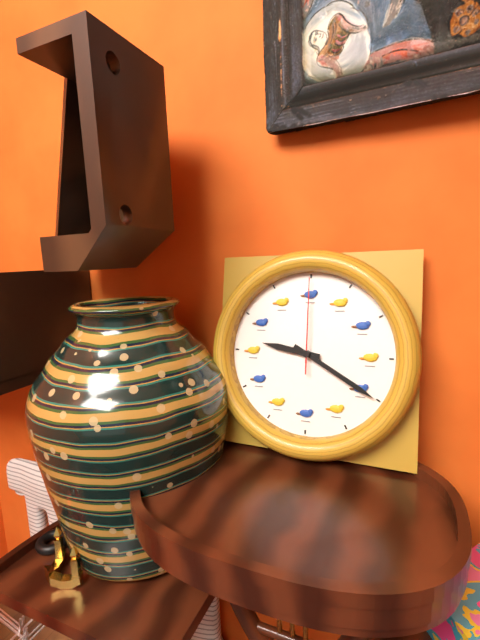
9:20:00
